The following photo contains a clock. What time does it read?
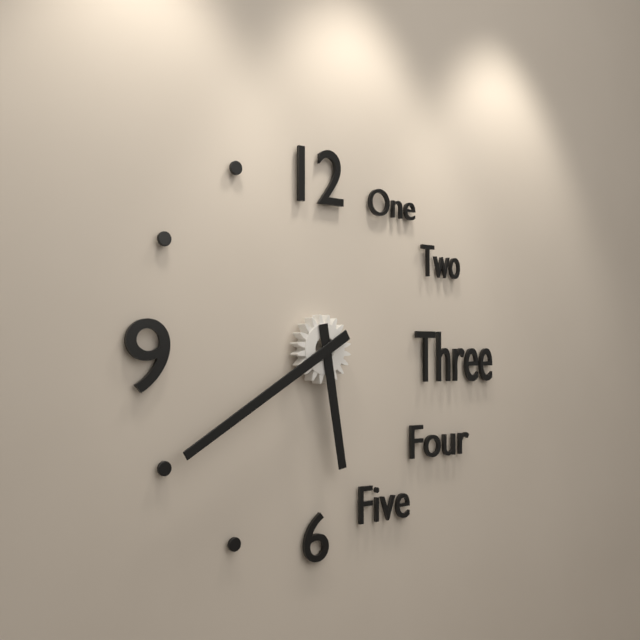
5:40
